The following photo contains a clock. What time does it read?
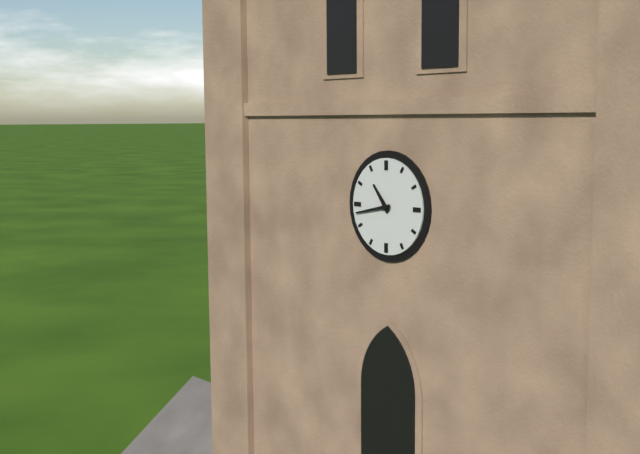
10:43
